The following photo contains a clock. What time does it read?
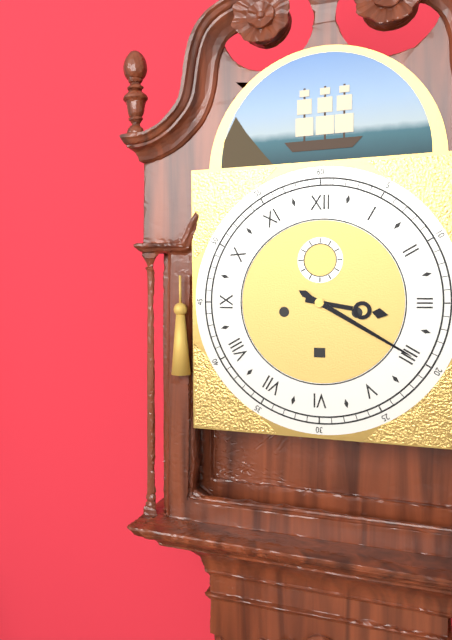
3:20
